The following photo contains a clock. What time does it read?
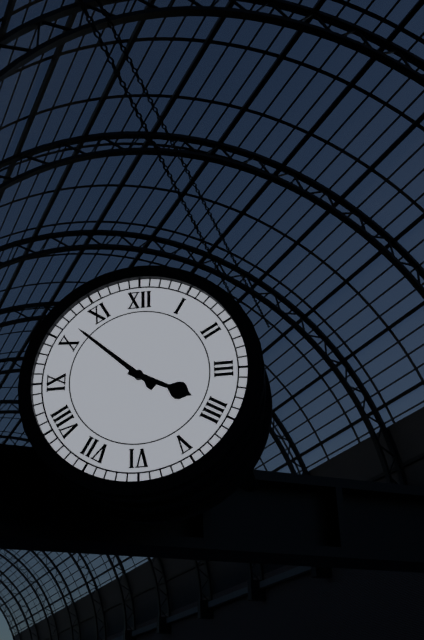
3:52
